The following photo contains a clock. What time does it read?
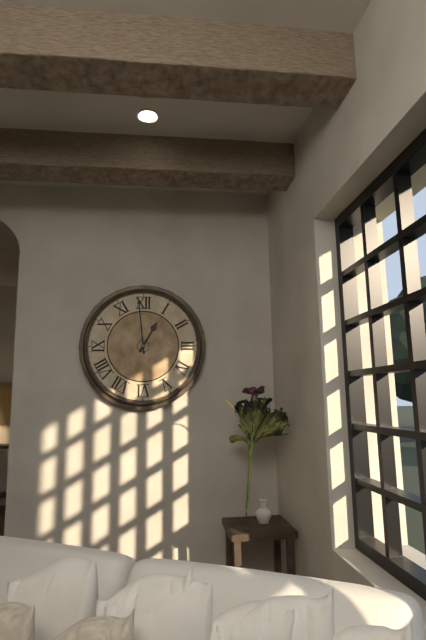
12:59
